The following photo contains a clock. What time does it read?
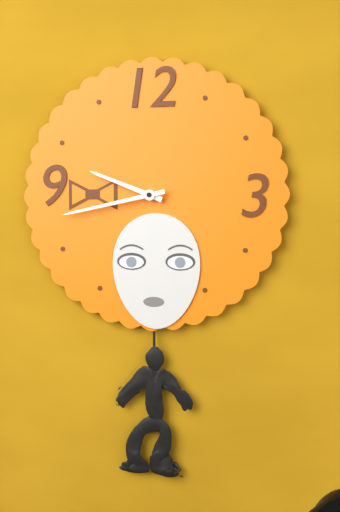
9:43
